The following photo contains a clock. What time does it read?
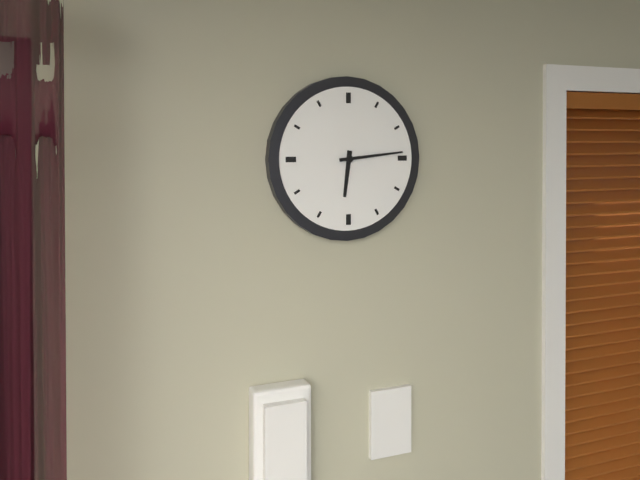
6:14
